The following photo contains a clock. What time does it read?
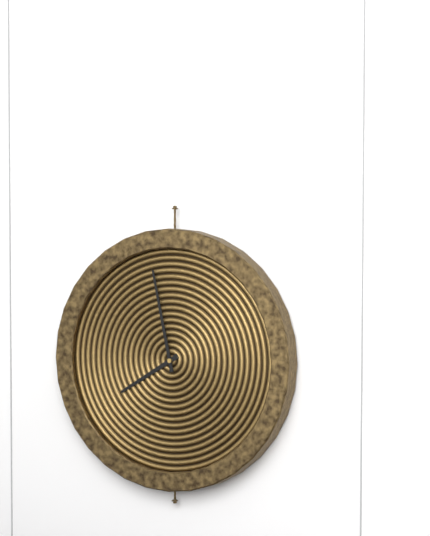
7:58
